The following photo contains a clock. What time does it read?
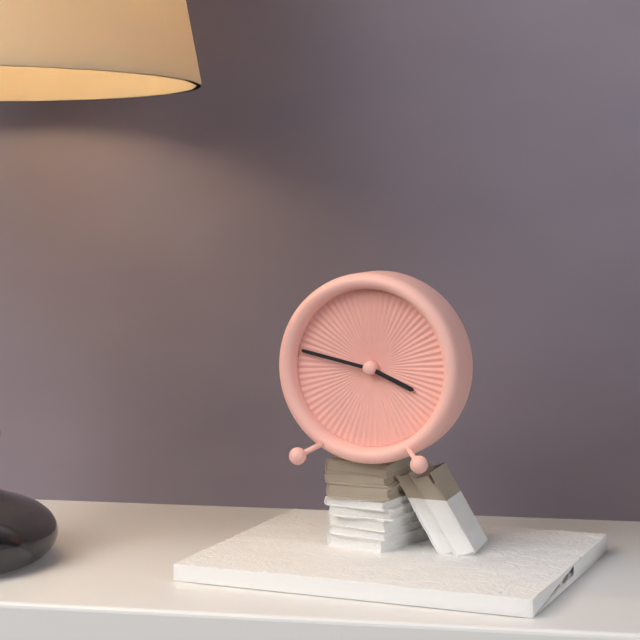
3:47
